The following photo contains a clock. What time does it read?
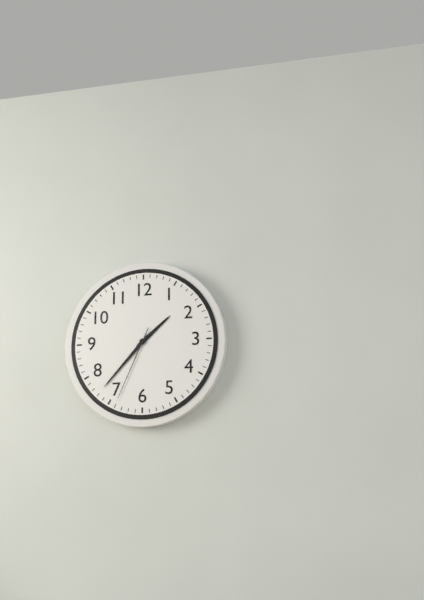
1:37:34
